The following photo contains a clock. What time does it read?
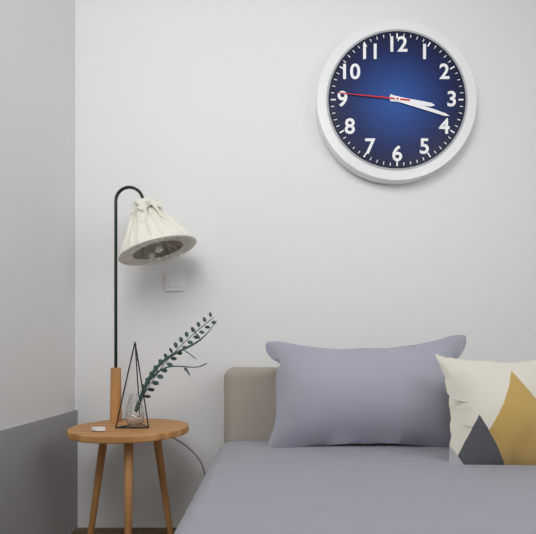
3:18:46
